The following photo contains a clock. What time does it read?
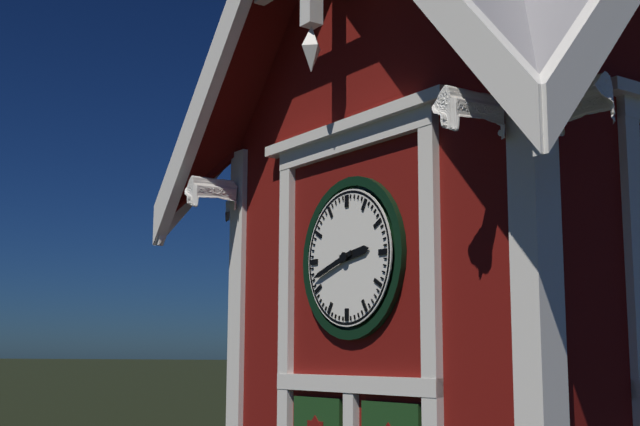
2:42
